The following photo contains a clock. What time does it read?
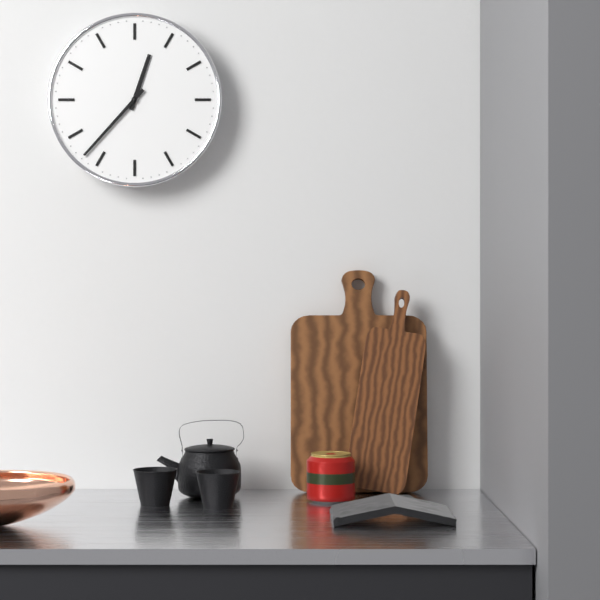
12:37
